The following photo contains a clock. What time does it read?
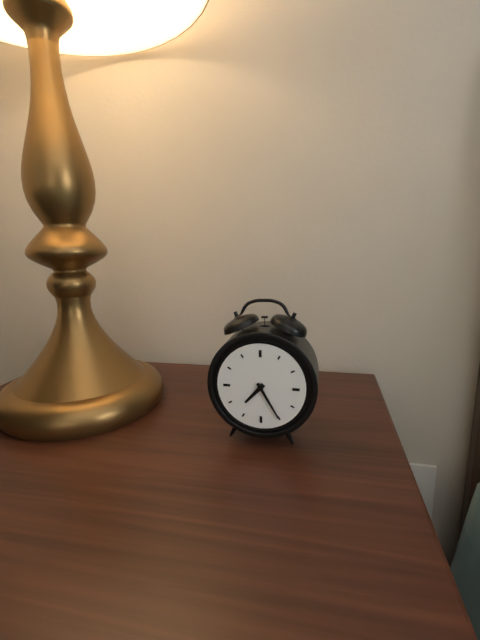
7:25
